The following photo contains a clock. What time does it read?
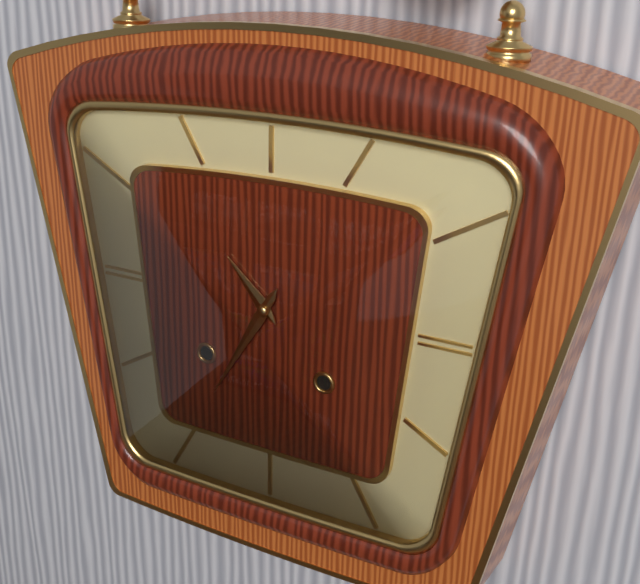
10:35
